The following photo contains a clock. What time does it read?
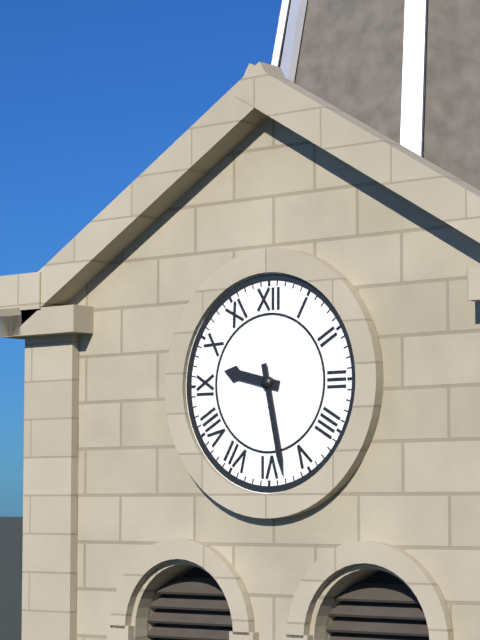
9:28
